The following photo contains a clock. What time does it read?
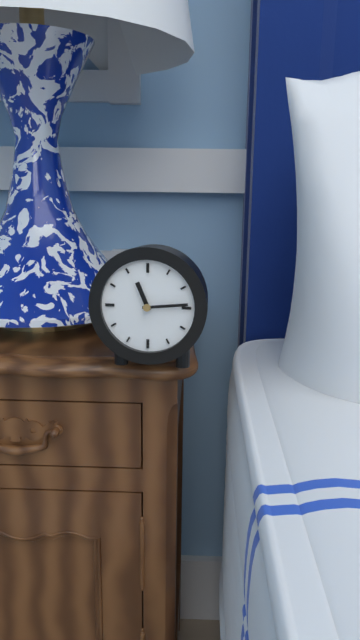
11:14
